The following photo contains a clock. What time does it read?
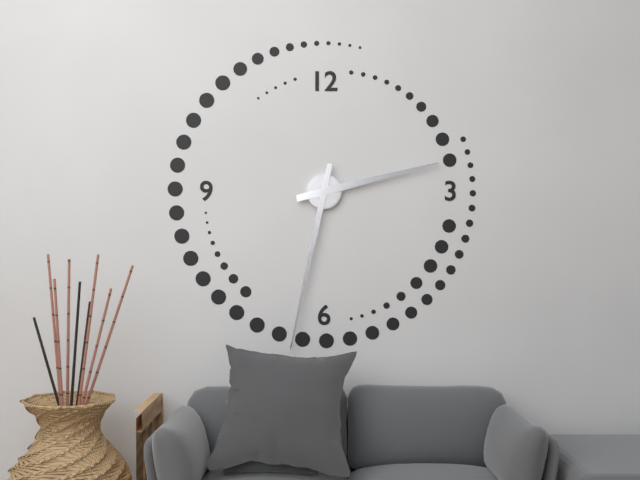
2:32
